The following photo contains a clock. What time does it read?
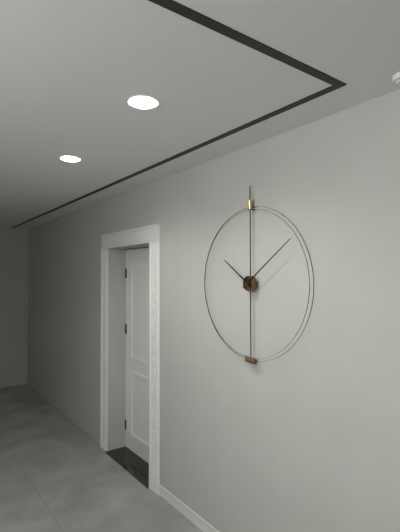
10:09
